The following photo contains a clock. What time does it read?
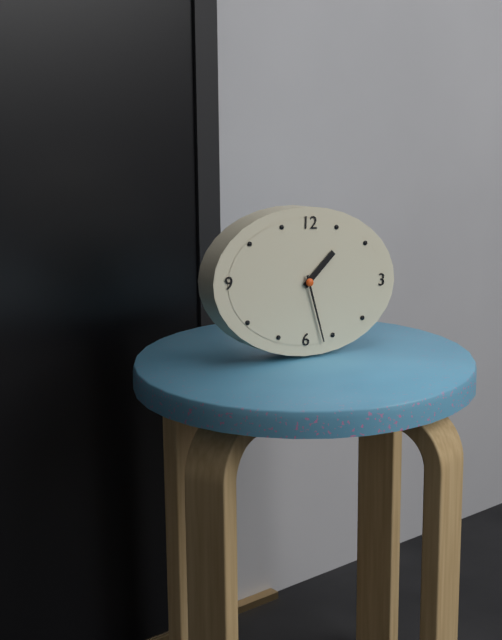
1:27
